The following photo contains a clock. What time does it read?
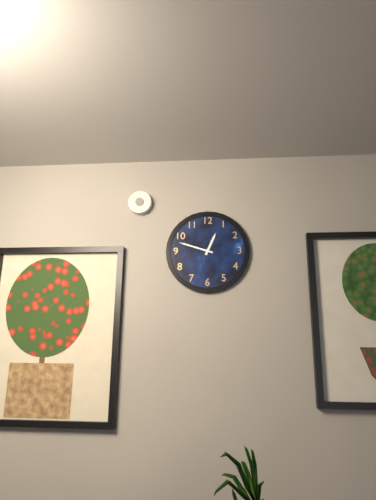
12:48
